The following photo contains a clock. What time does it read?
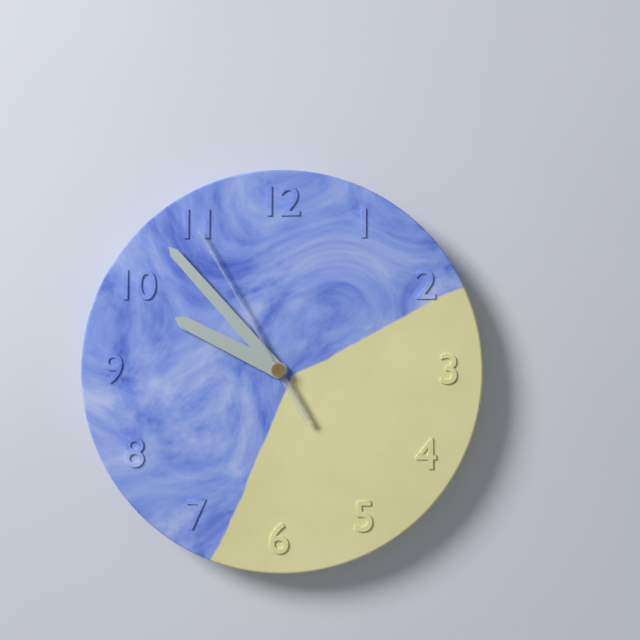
9:53:55
